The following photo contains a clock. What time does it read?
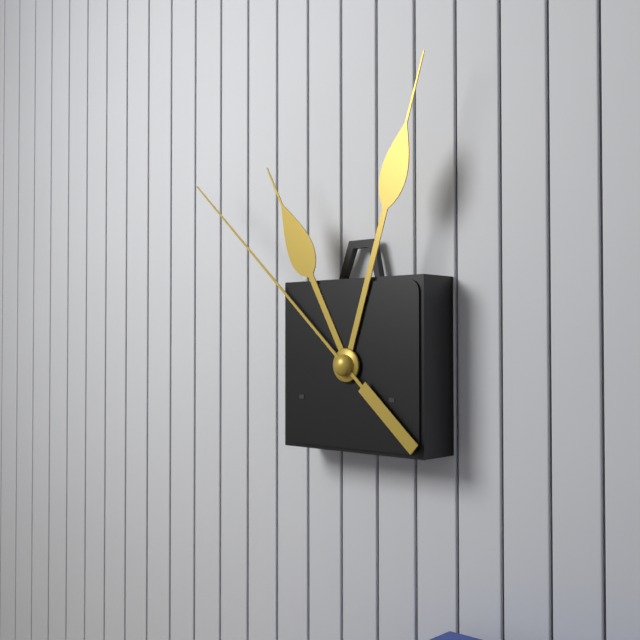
11:03:52
